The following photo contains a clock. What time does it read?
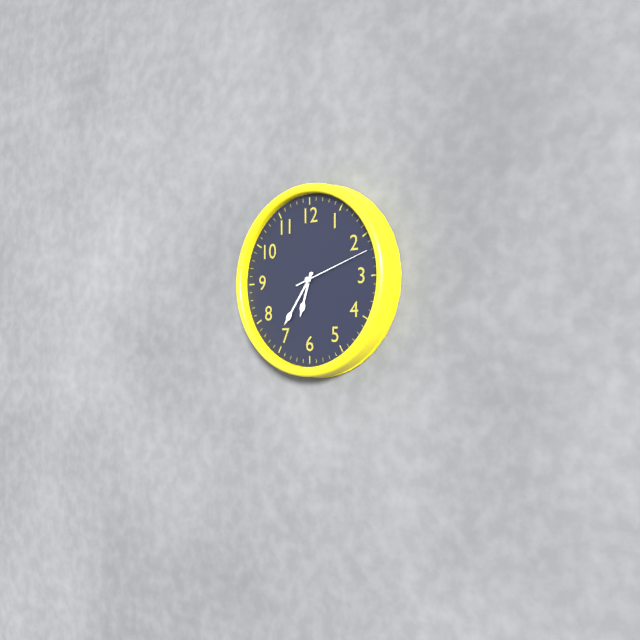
6:36:12
